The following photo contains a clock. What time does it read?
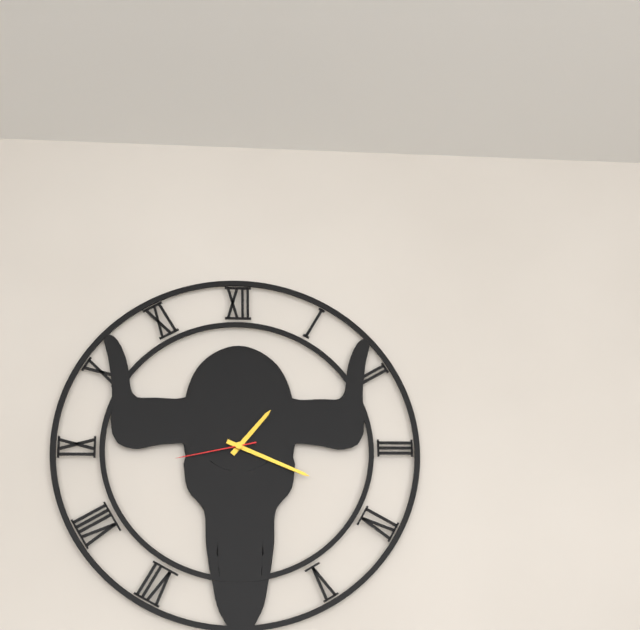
1:19:43
